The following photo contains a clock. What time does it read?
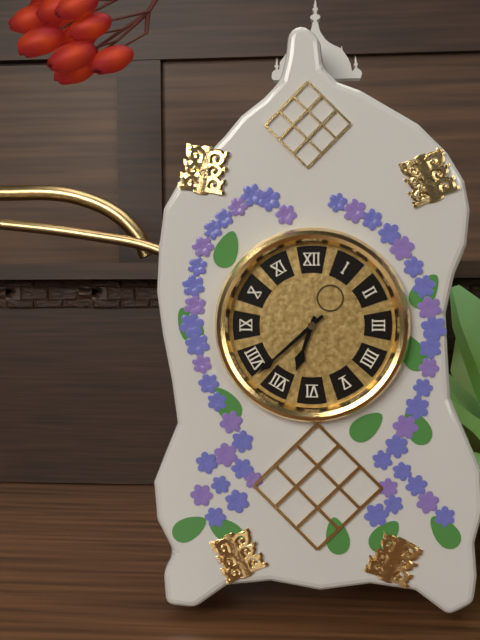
6:38
